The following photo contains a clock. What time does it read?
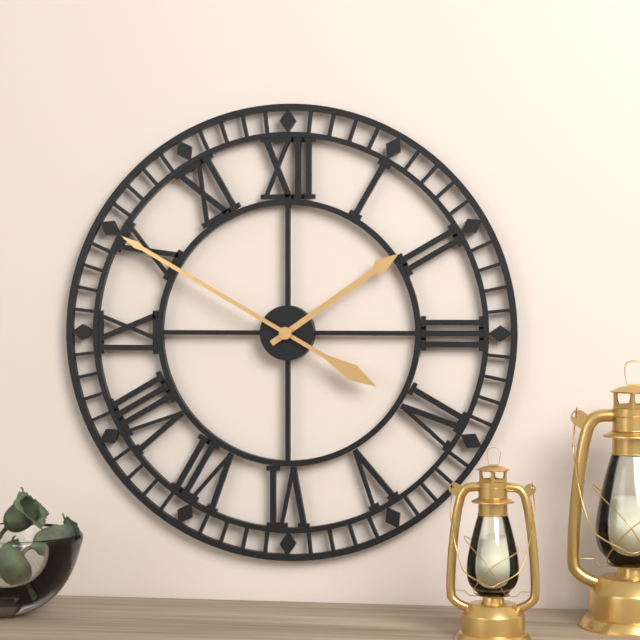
1:50
